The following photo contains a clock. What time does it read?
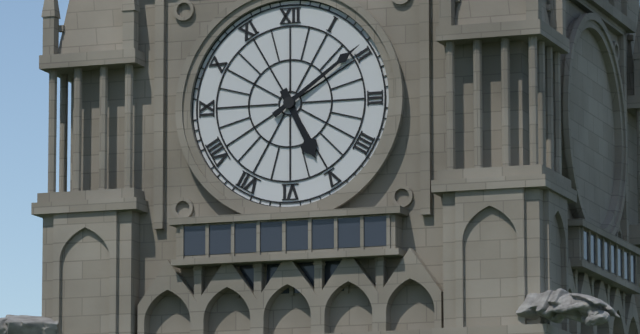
5:09
